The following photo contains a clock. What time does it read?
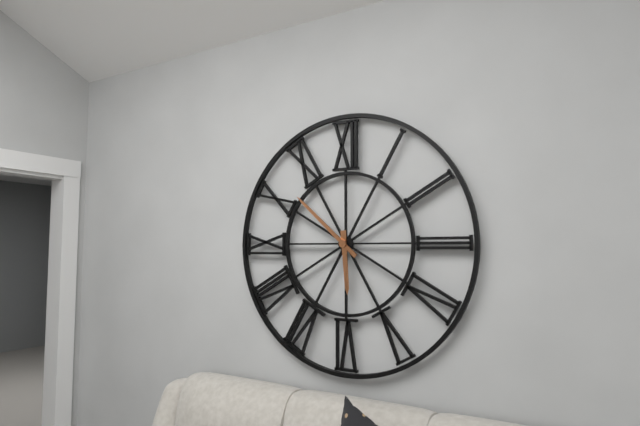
5:52
